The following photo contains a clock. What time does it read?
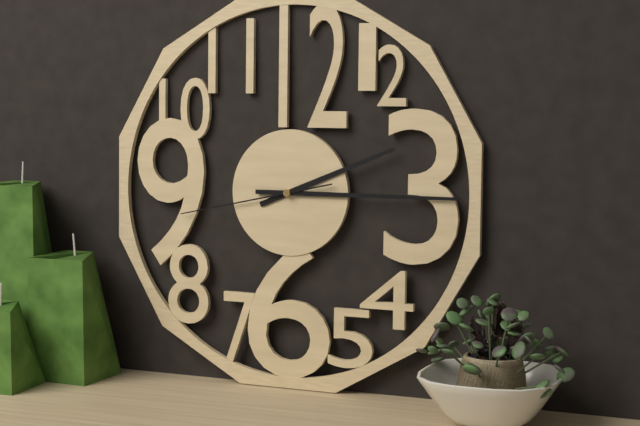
2:15:43
